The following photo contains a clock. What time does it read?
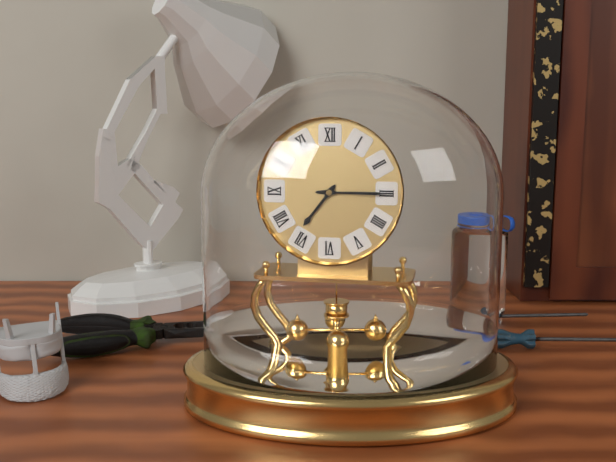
7:15
